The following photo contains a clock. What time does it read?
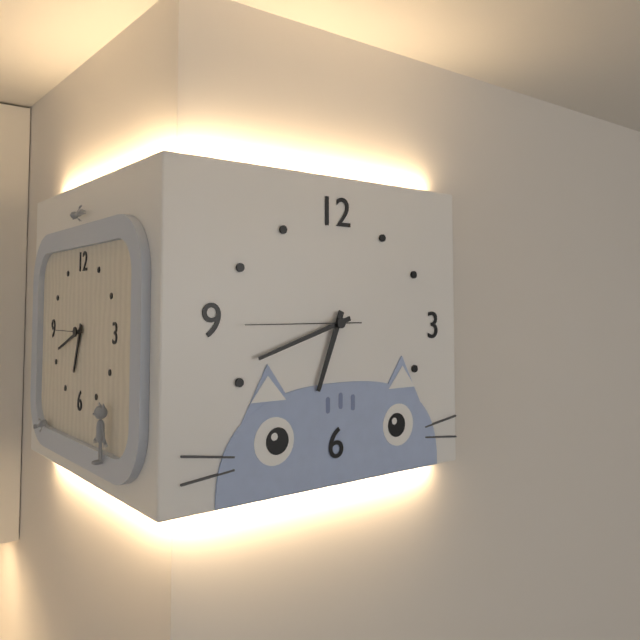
6:42:45
